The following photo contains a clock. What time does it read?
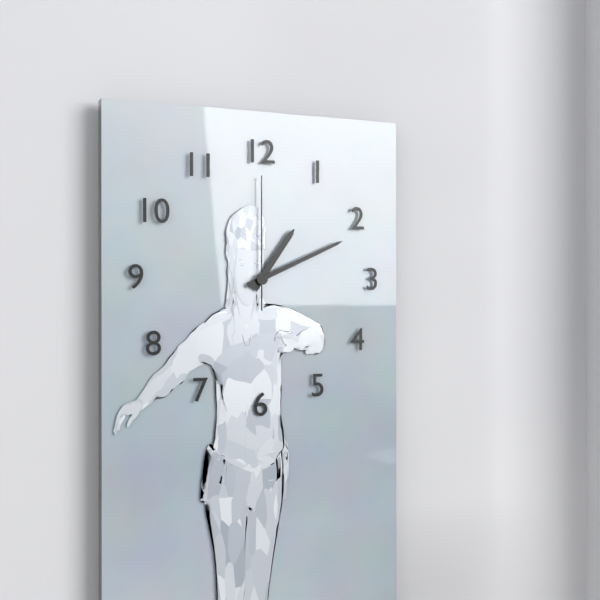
1:11:00
